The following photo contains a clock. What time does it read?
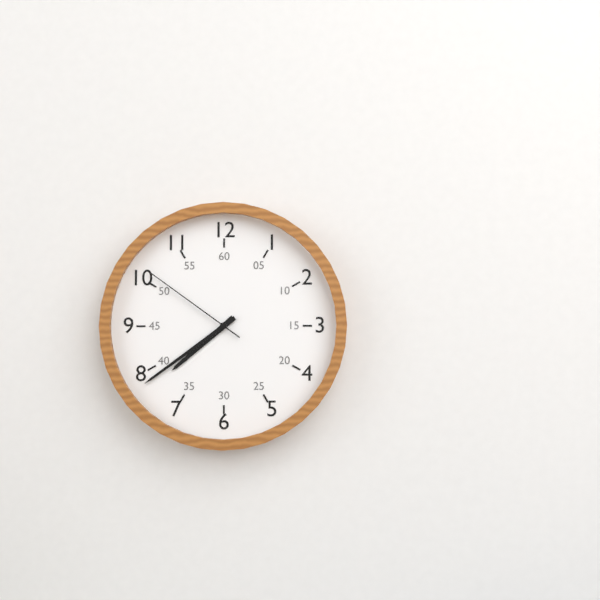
7:39:51
